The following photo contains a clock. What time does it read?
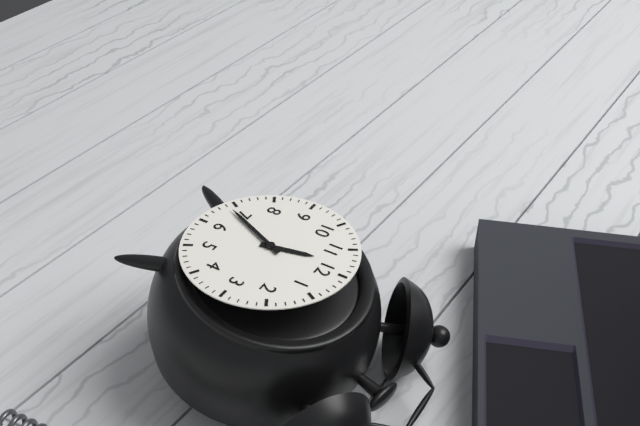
11:34
